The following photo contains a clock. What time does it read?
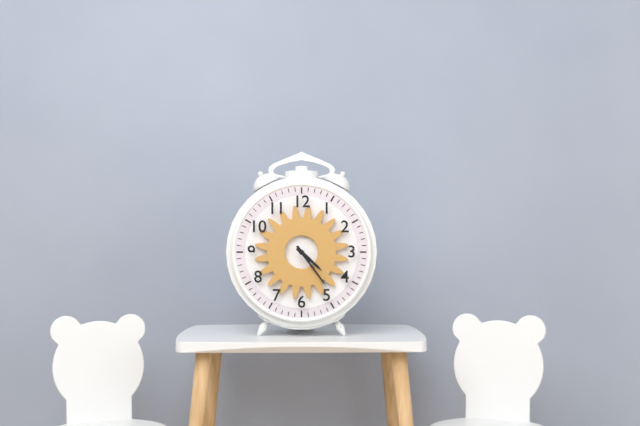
4:24
